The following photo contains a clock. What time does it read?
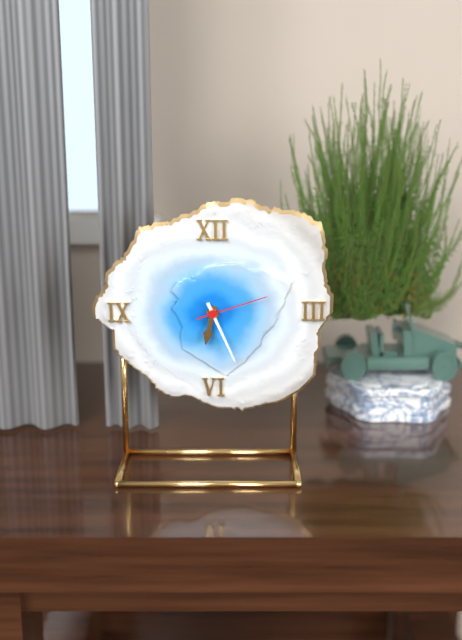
6:26:12
